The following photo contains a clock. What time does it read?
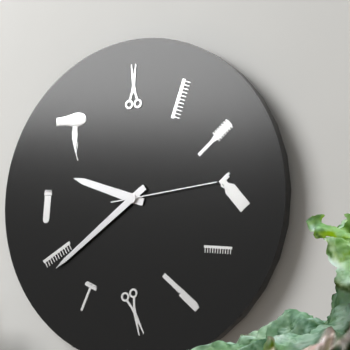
9:39:14
